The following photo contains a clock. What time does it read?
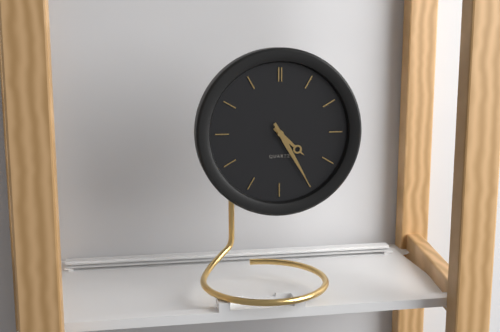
4:25
